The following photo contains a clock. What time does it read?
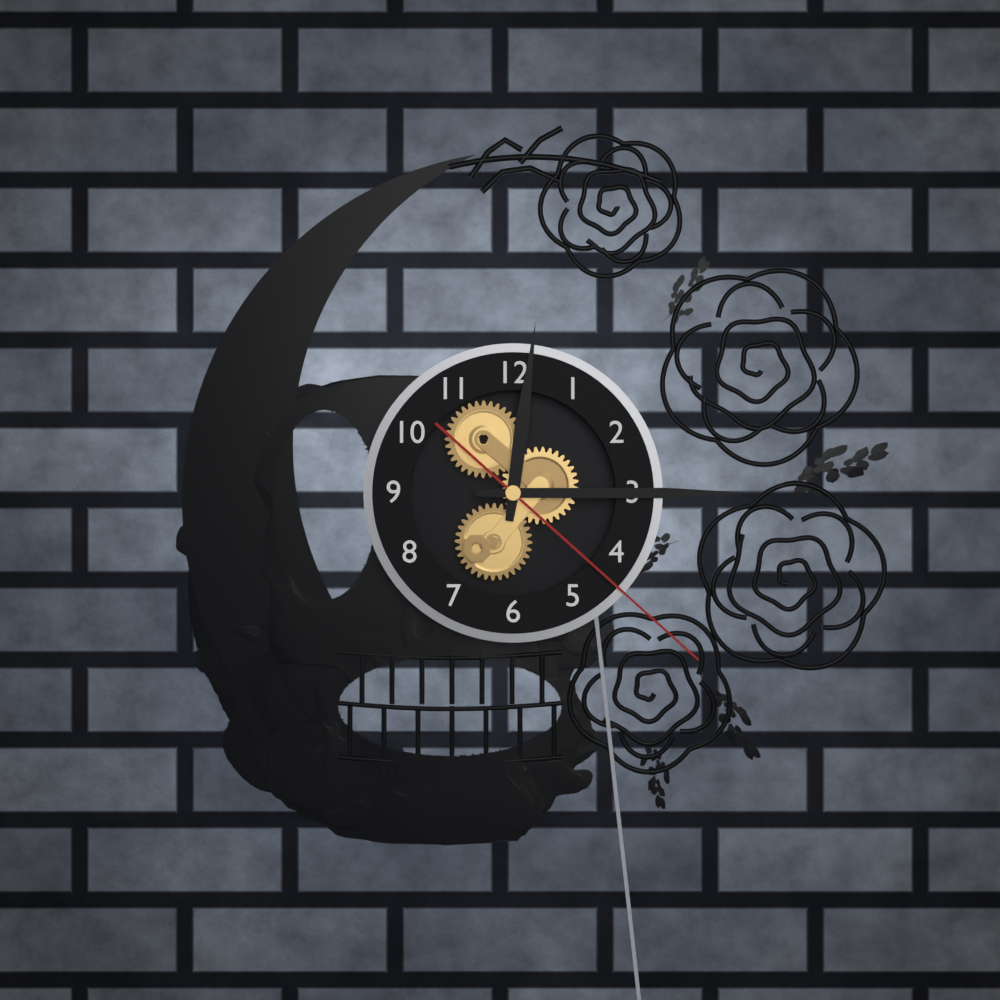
12:15:22
